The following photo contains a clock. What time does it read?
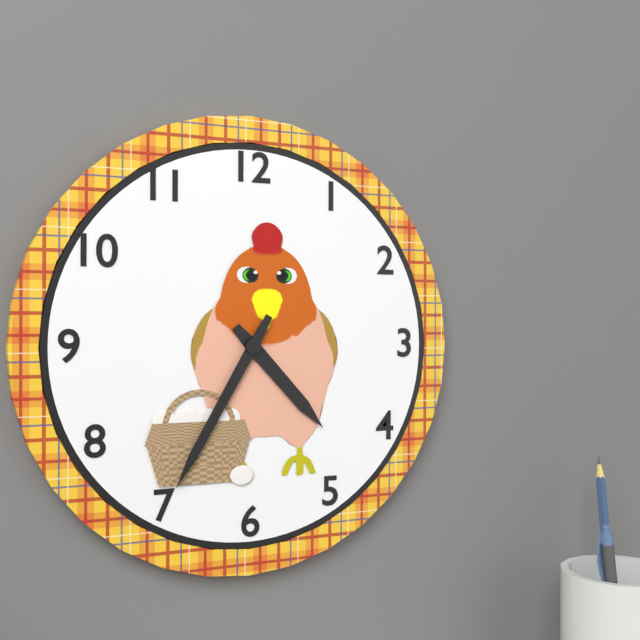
4:35
